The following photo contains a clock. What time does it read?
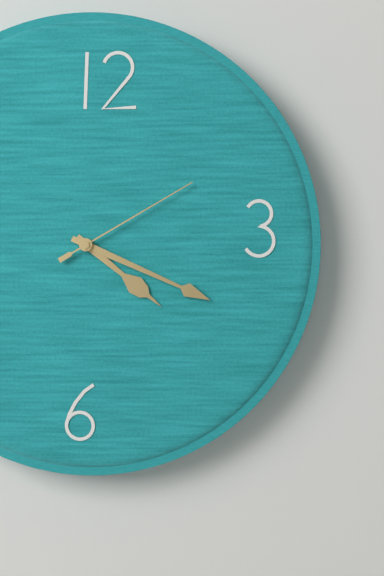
4:19:10
